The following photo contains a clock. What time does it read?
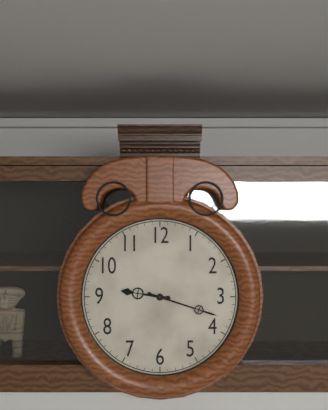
9:18
